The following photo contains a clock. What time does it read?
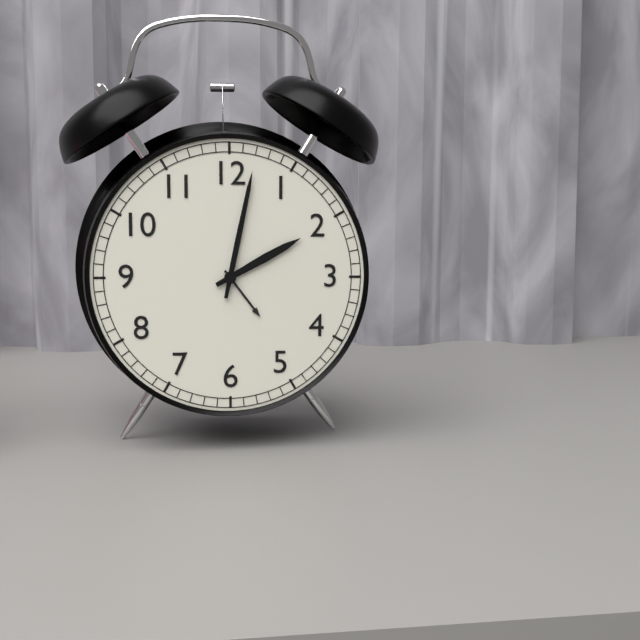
2:02
